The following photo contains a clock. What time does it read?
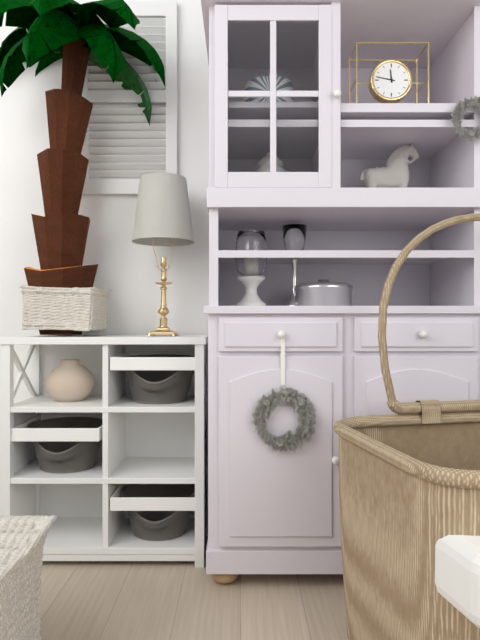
11:47
